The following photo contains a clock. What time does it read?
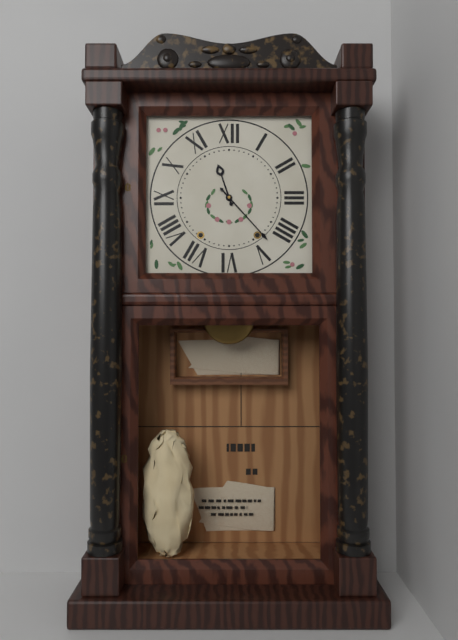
11:23
